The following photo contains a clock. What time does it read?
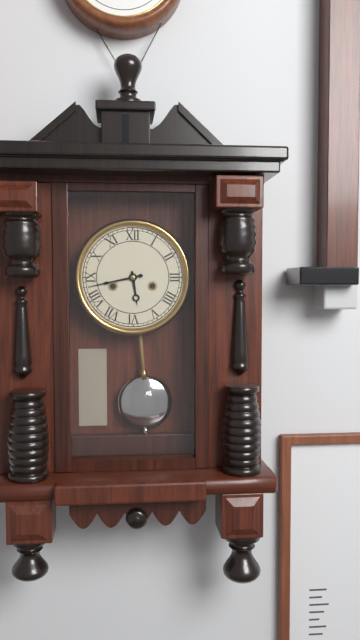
5:43
